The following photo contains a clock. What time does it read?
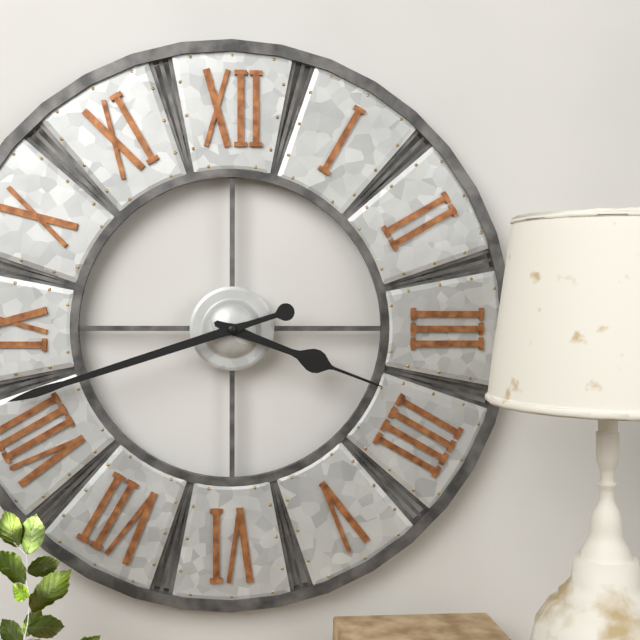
3:42
